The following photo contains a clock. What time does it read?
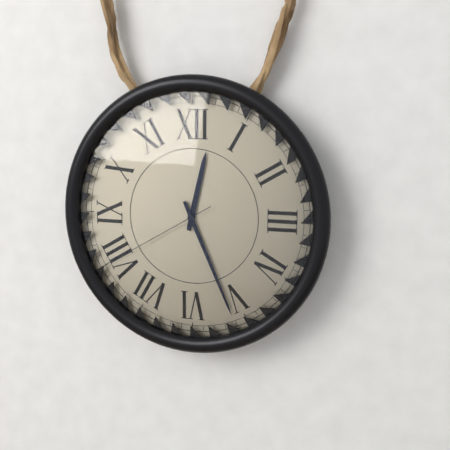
12:26:40
